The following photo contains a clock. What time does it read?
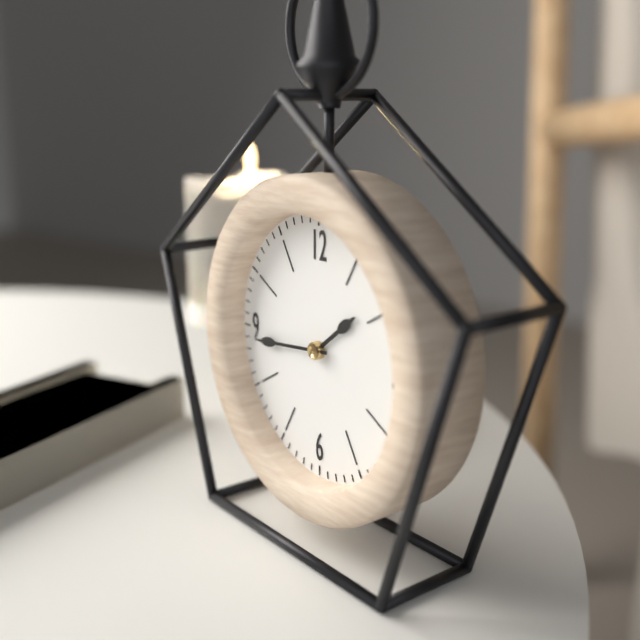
1:44
